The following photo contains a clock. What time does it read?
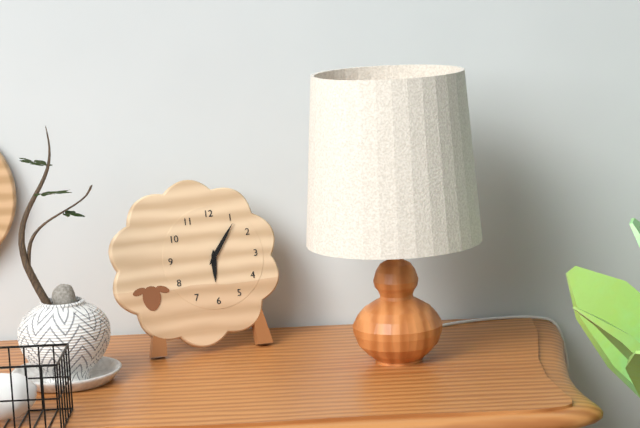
6:06
